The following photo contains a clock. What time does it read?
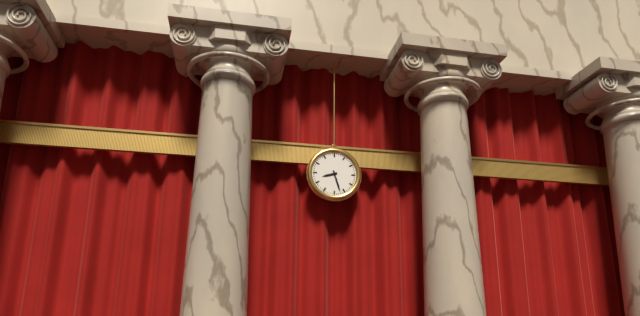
8:27
